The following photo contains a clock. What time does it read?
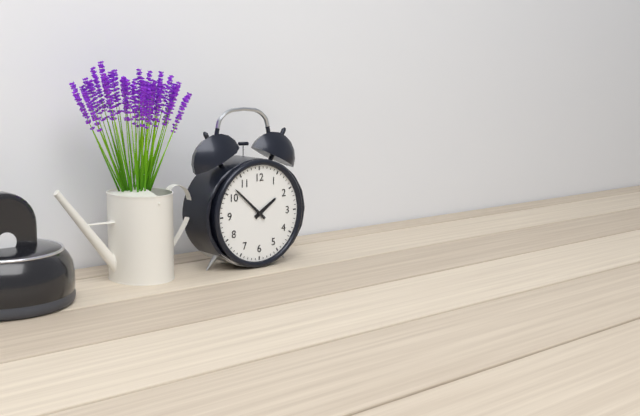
1:52
